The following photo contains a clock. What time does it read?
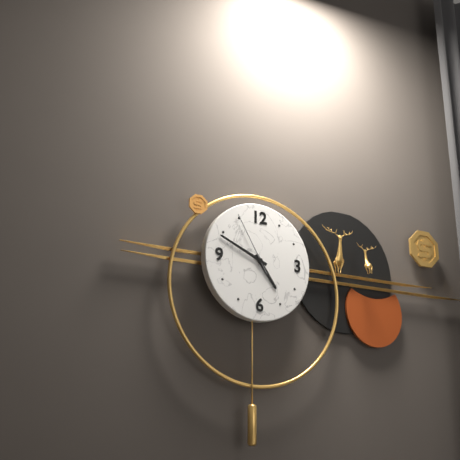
4:49:55
